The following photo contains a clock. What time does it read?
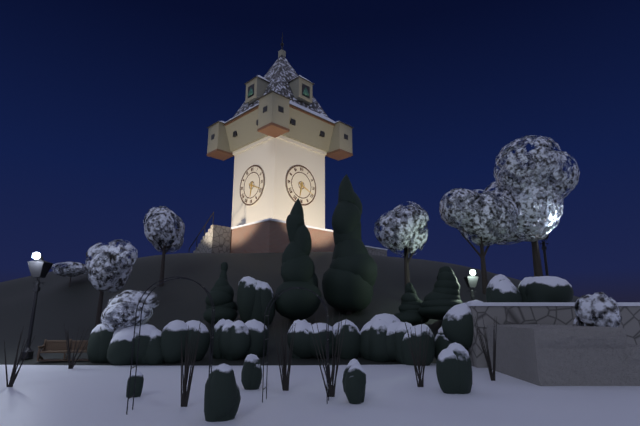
6:19
